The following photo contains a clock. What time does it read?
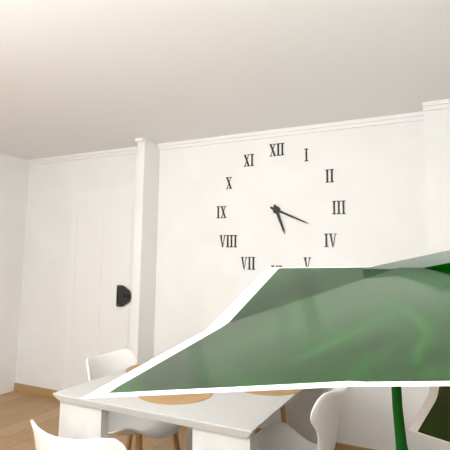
5:19
